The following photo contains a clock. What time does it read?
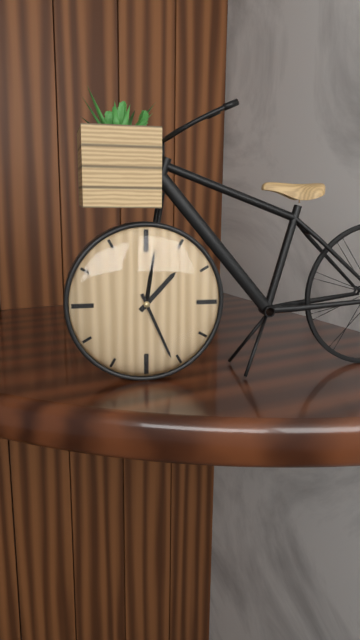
1:26
